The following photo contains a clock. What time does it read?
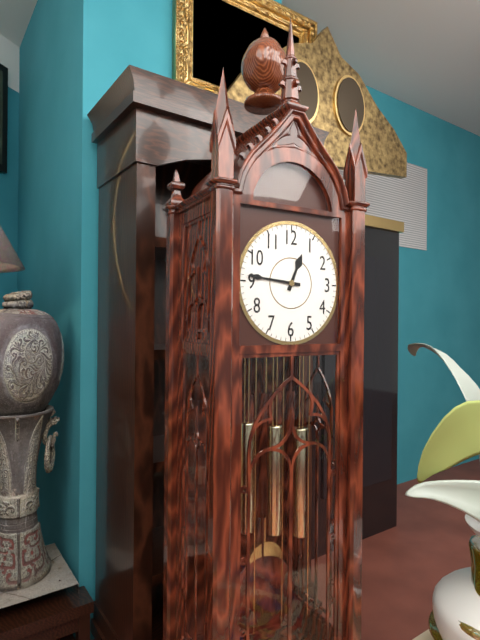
12:46
